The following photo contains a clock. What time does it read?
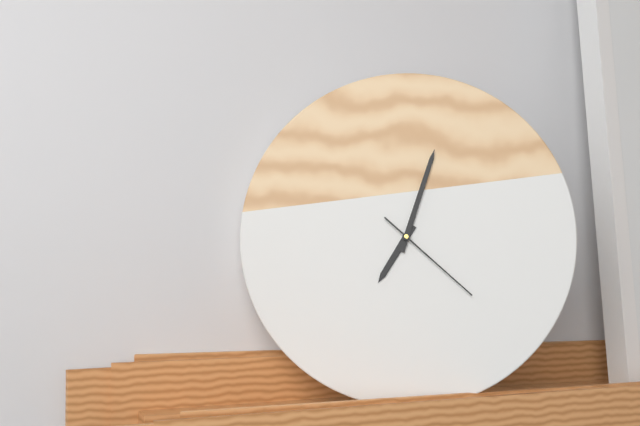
7:03:22
